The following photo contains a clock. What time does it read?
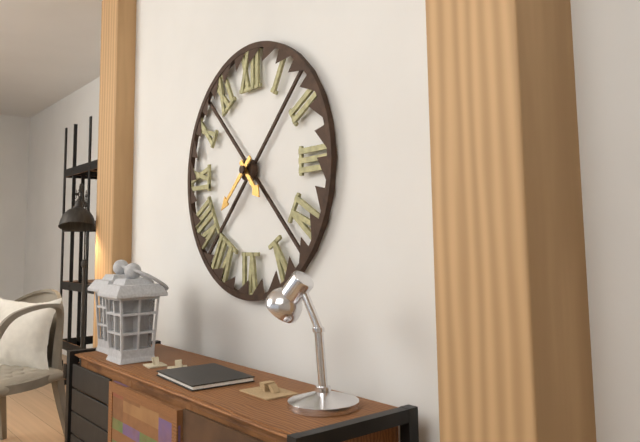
4:38
